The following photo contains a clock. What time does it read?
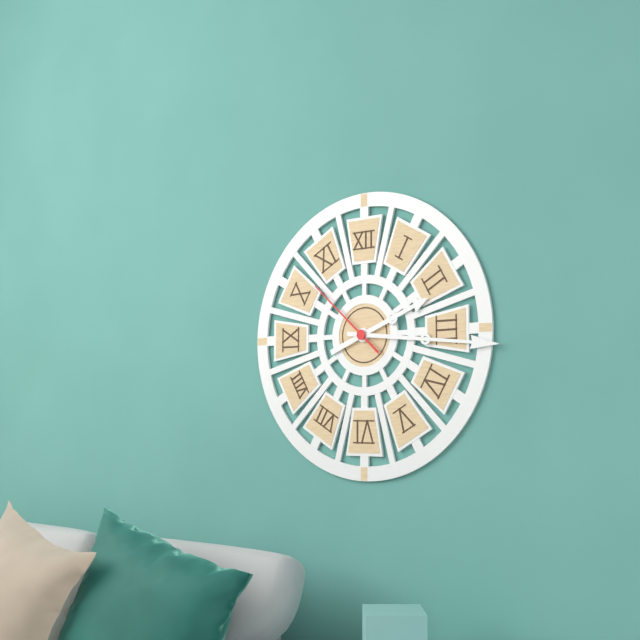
2:16:52
